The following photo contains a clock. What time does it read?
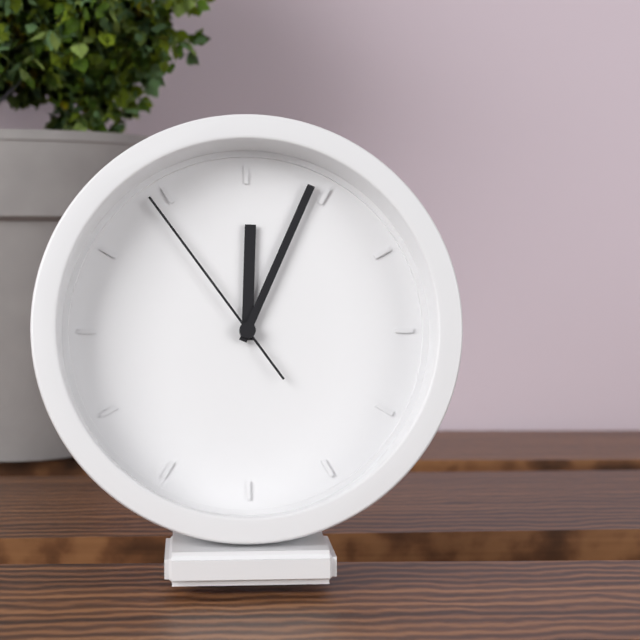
12:04:54
